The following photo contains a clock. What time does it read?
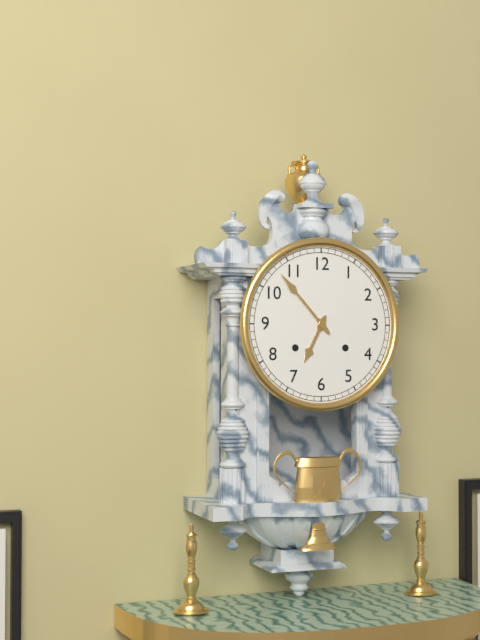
6:53
